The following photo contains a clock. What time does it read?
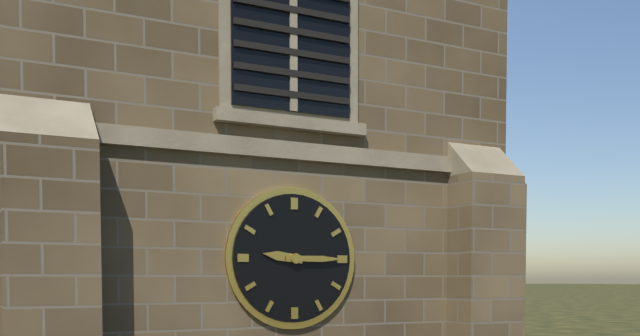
9:15
